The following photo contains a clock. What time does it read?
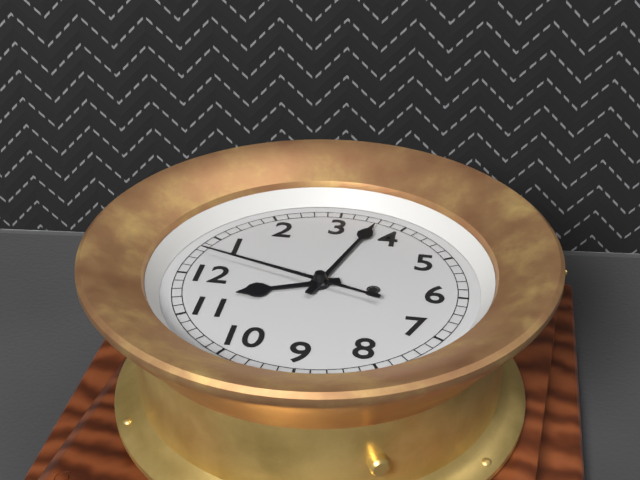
11:18:03
